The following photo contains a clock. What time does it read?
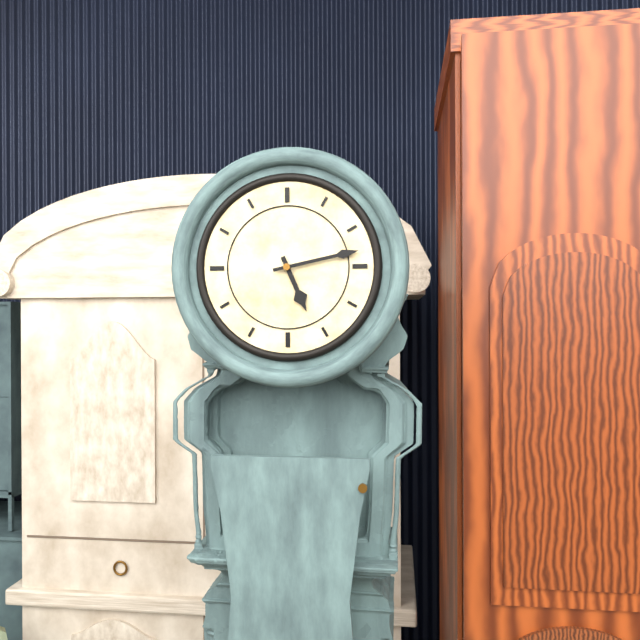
5:13
